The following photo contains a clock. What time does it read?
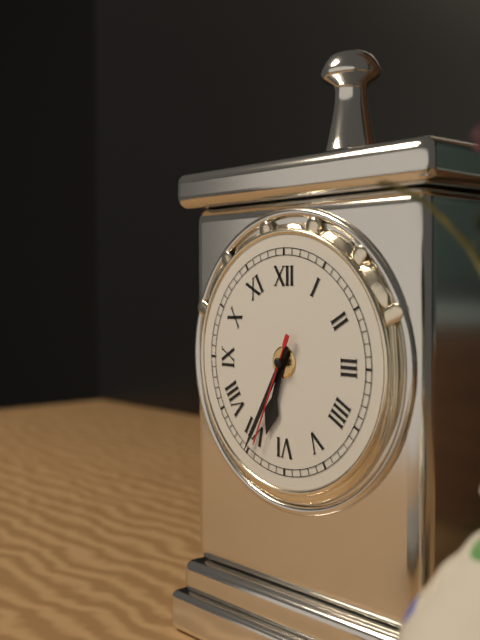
6:35:34
